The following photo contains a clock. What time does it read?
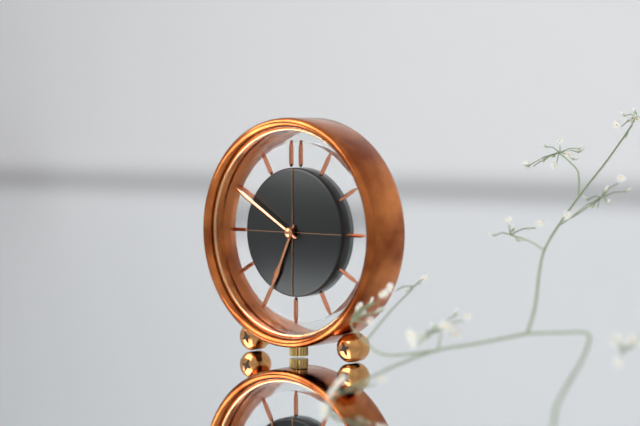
6:50
